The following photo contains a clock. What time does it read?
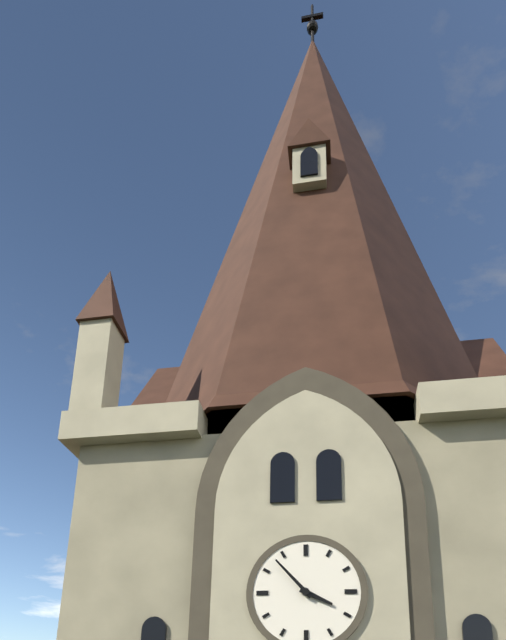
3:53
